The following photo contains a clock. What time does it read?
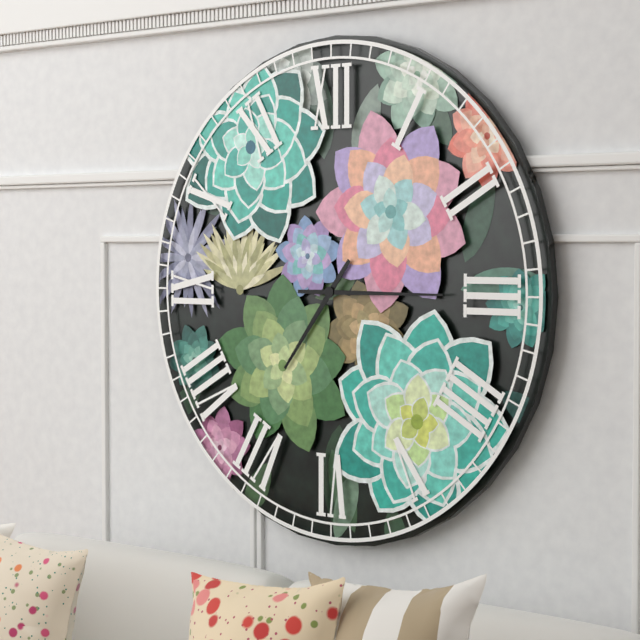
7:15
